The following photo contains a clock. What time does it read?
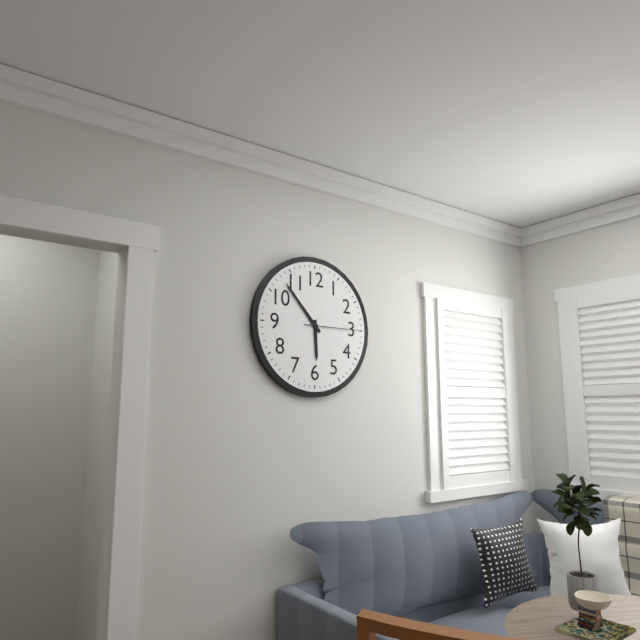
5:53:15
